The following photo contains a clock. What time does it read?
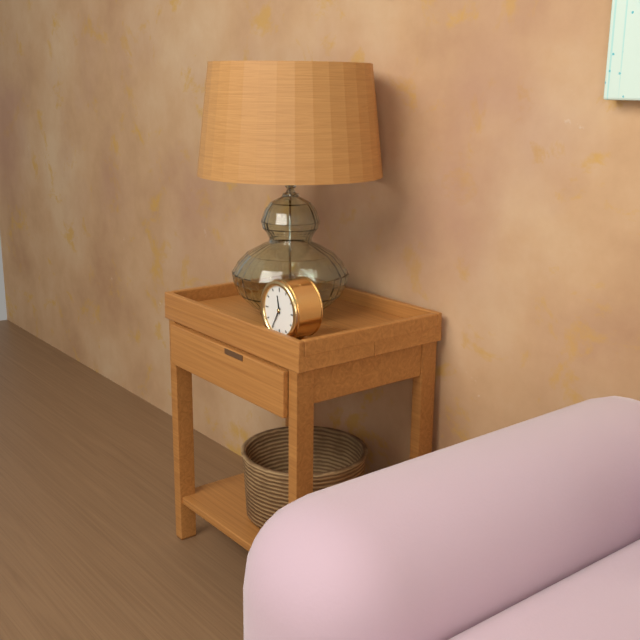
11:35
